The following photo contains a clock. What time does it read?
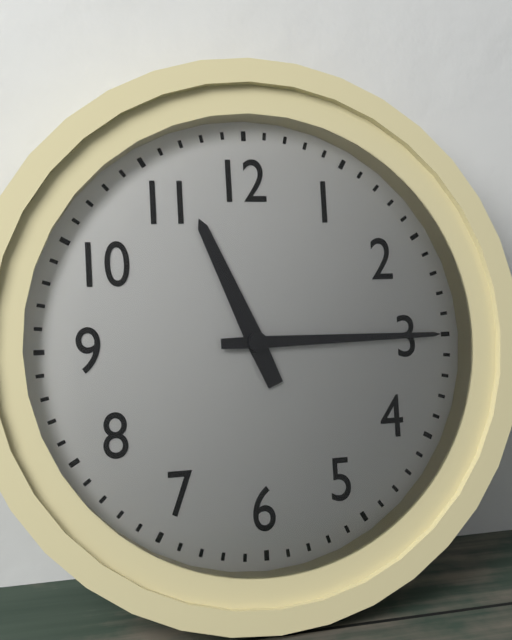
11:15
